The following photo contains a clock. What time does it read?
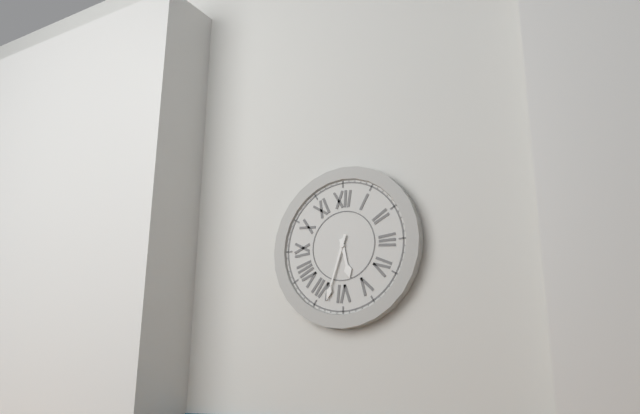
5:33
